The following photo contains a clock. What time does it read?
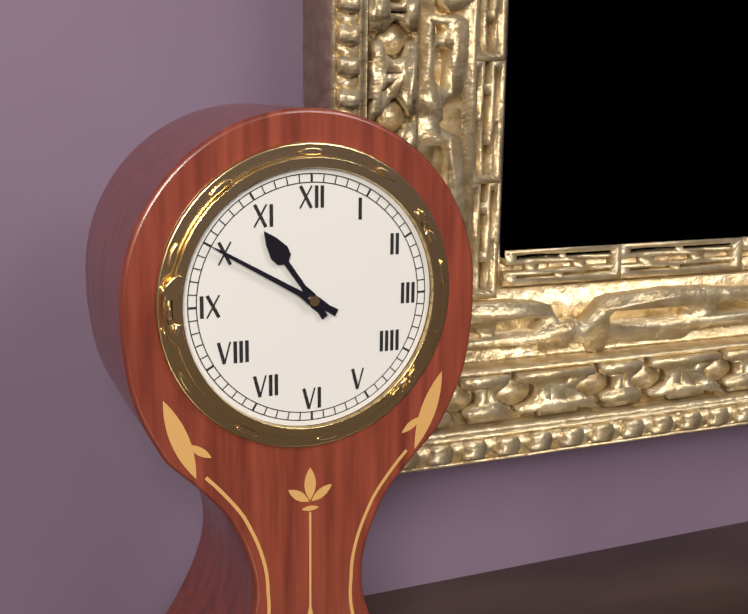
10:50
